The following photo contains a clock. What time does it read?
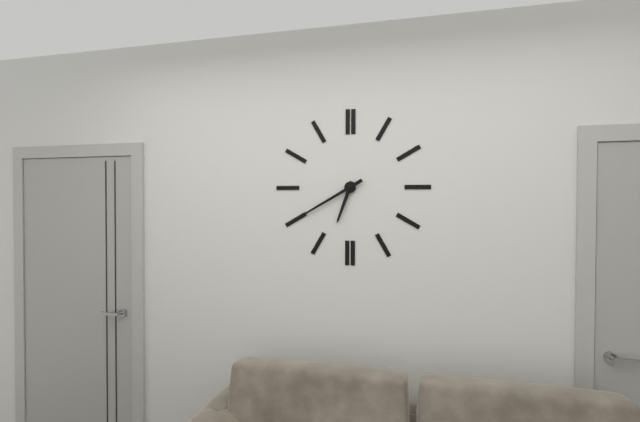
6:40
